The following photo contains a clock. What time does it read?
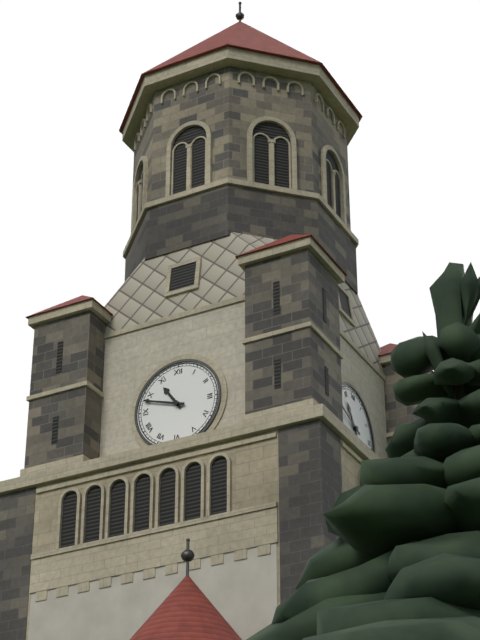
10:48
